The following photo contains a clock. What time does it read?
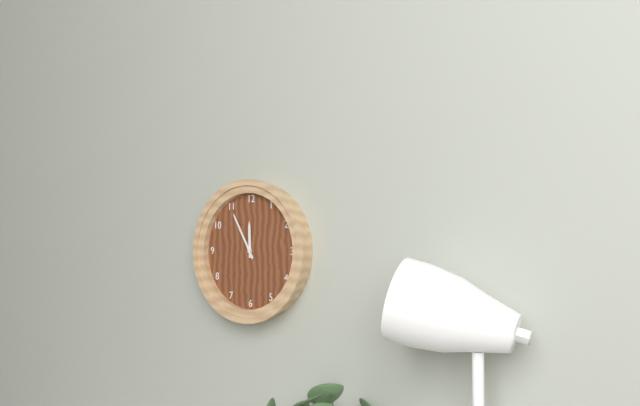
11:55
